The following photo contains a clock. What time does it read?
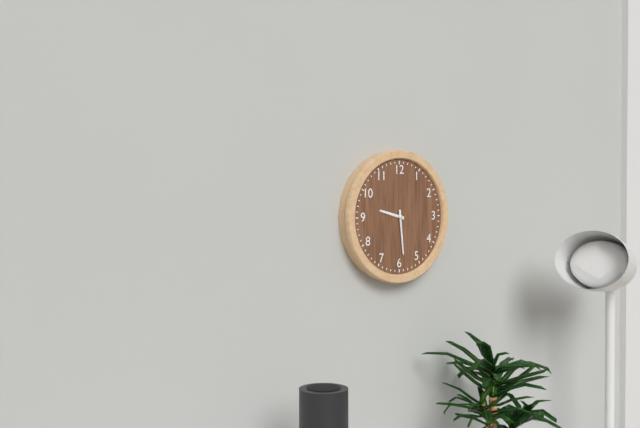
9:29
